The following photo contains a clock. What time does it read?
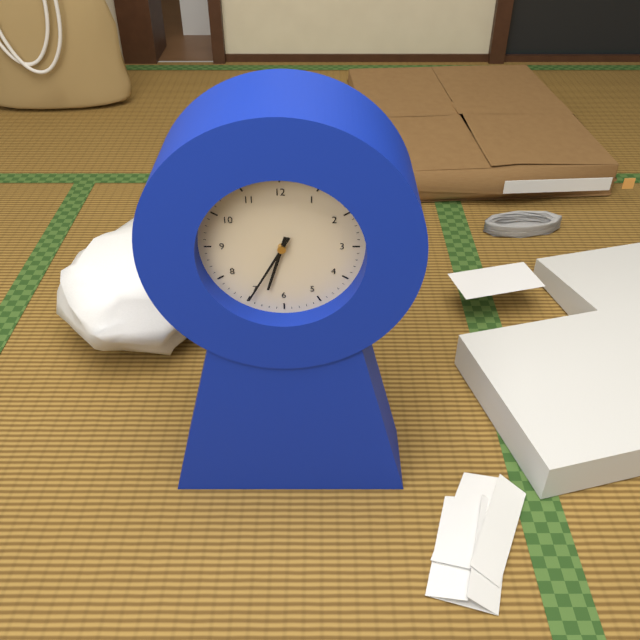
6:35
